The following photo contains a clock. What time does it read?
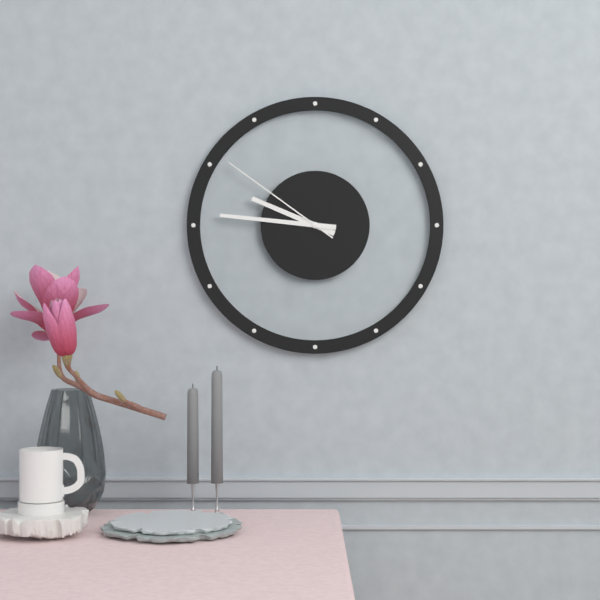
9:46:51
